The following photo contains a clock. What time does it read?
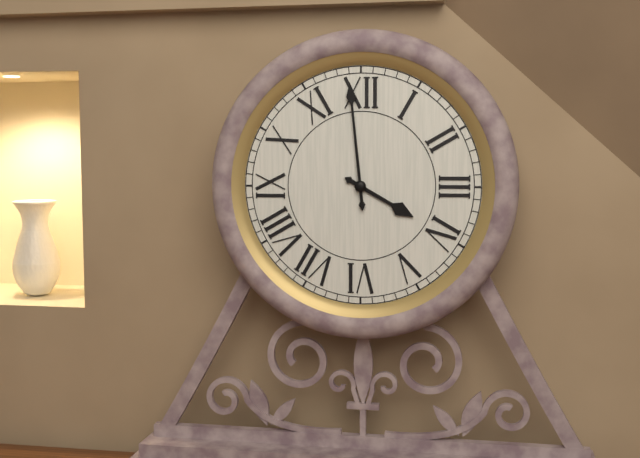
3:59
